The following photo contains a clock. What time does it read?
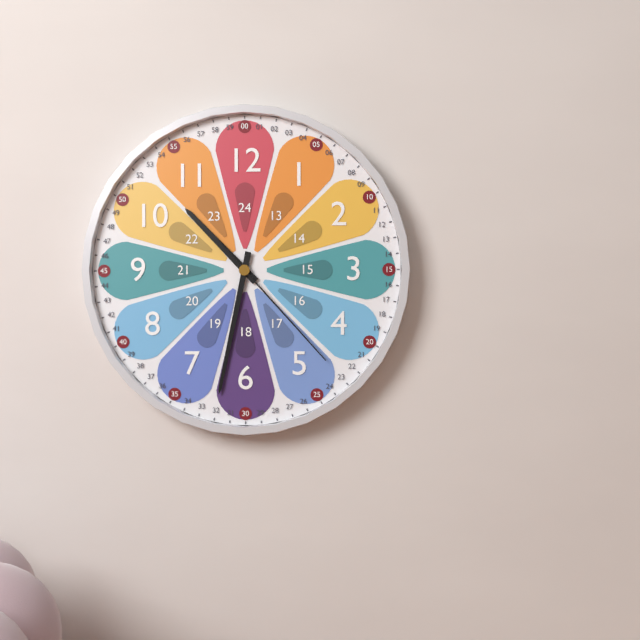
10:32:23
